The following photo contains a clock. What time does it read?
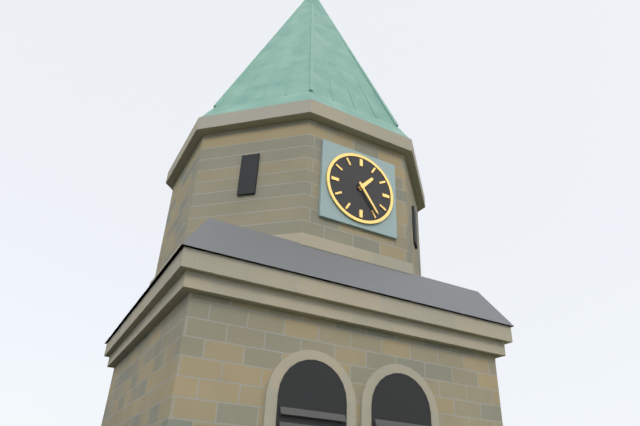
1:24
